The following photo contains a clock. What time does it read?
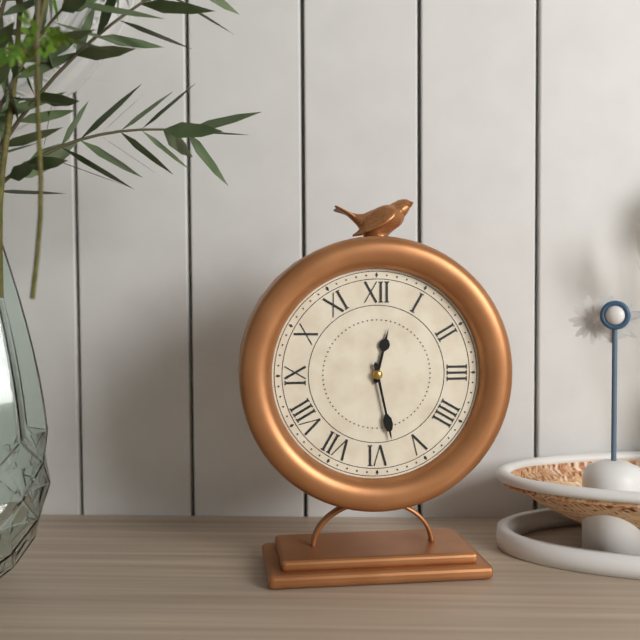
12:28
